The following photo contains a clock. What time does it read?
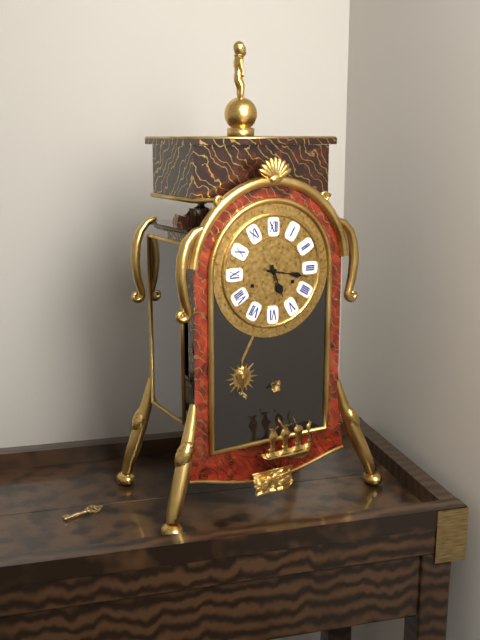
5:17
